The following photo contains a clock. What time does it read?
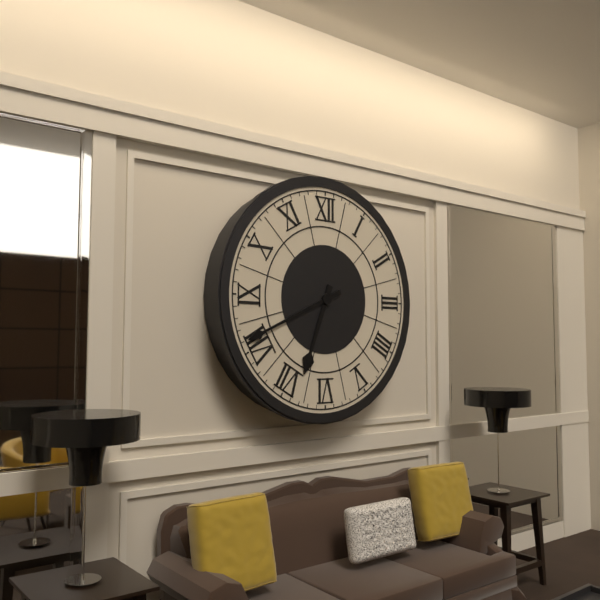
6:41
